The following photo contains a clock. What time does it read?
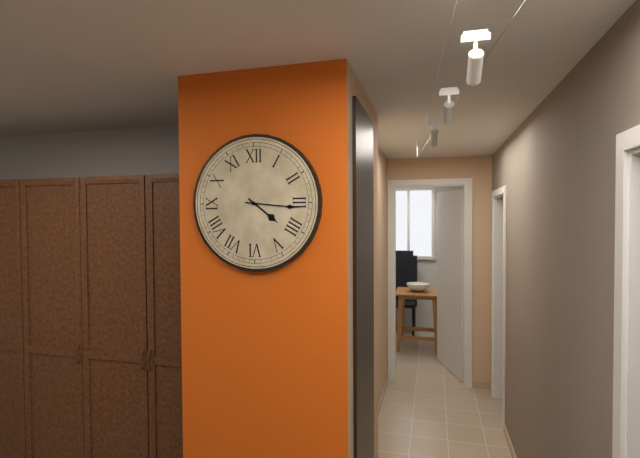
4:16
